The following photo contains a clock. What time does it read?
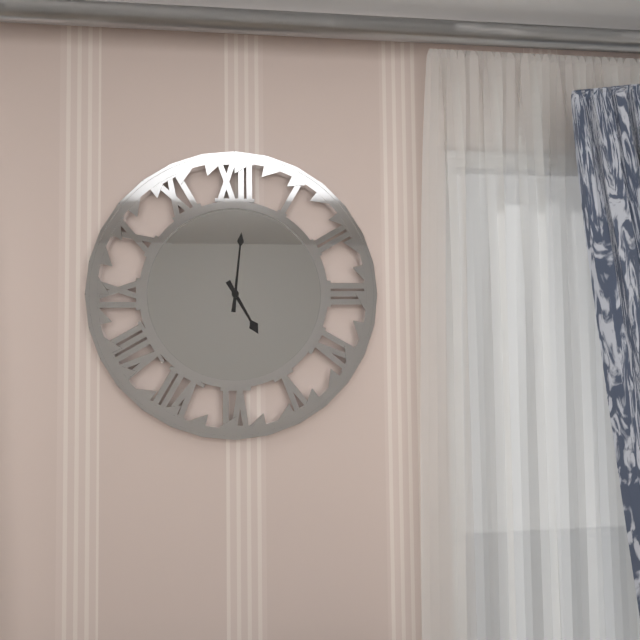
5:01
